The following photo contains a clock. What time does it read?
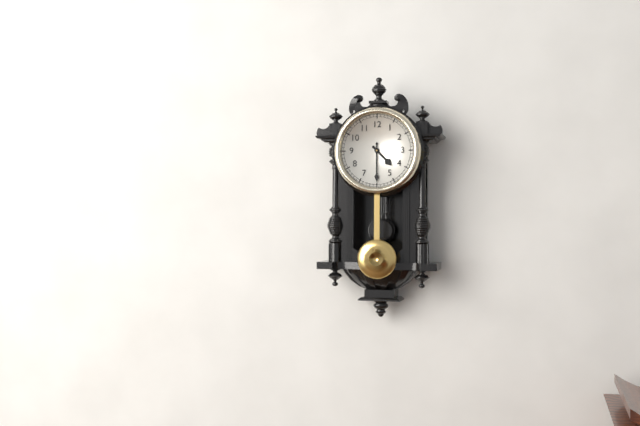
4:30
